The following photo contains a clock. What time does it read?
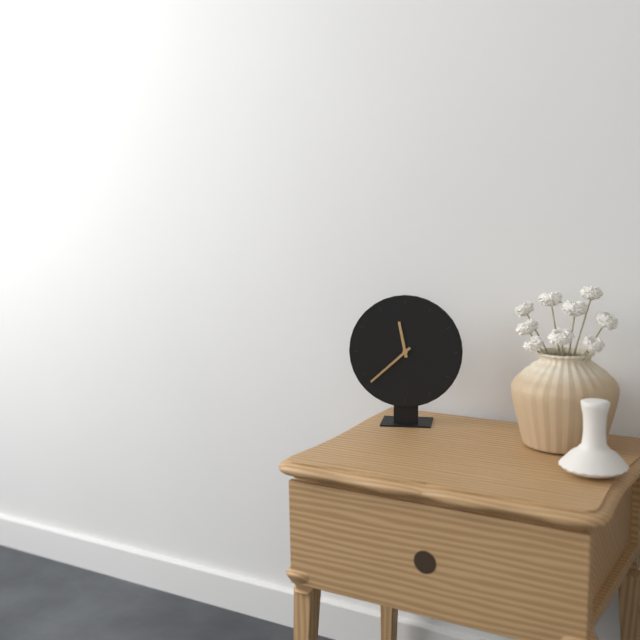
11:38
